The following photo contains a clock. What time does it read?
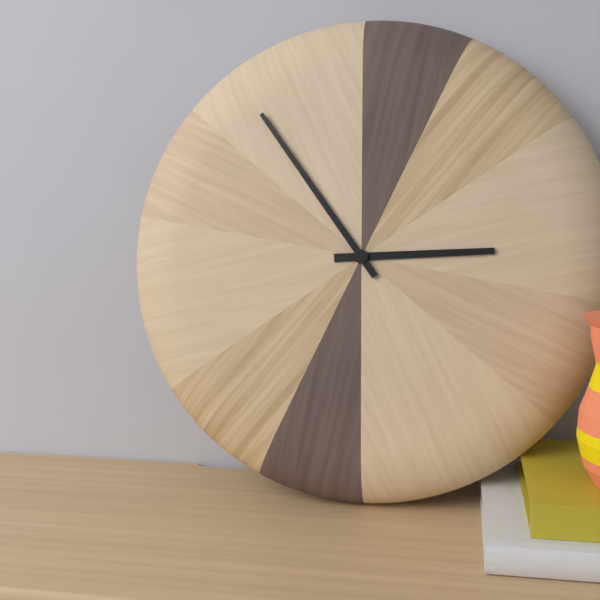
2:54
